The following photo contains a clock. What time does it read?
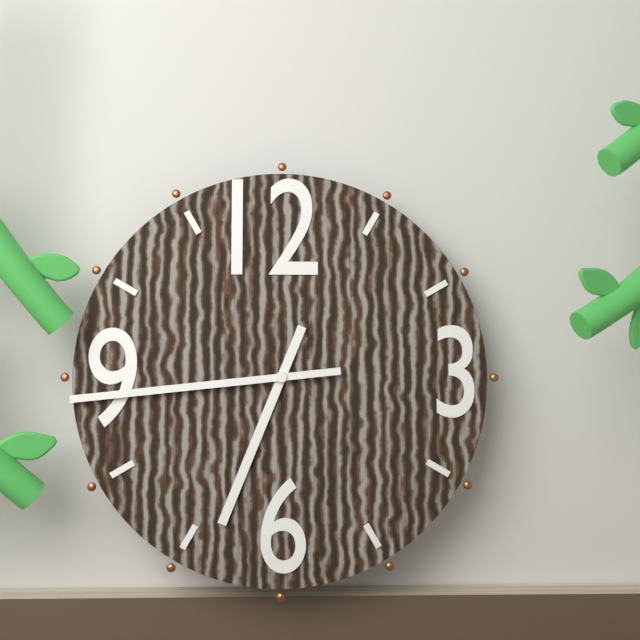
6:44
